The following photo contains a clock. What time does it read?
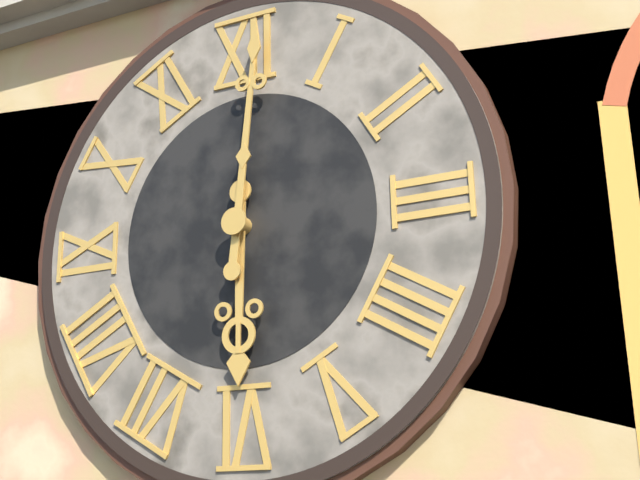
6:01
